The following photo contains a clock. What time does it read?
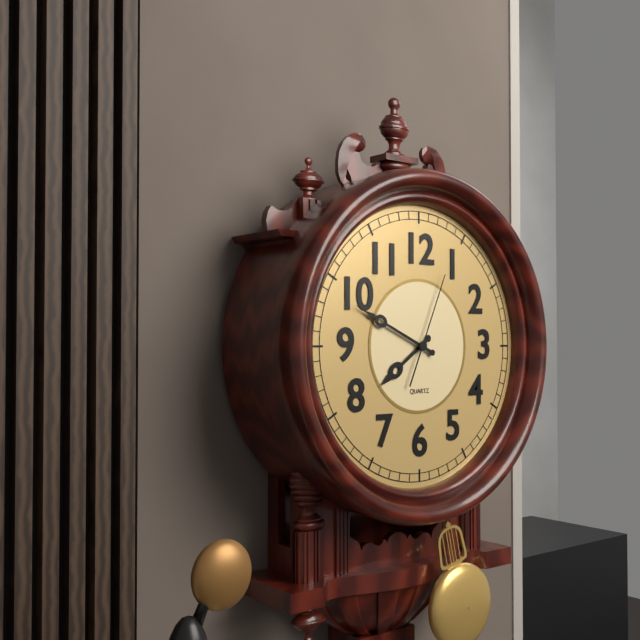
7:49:04
